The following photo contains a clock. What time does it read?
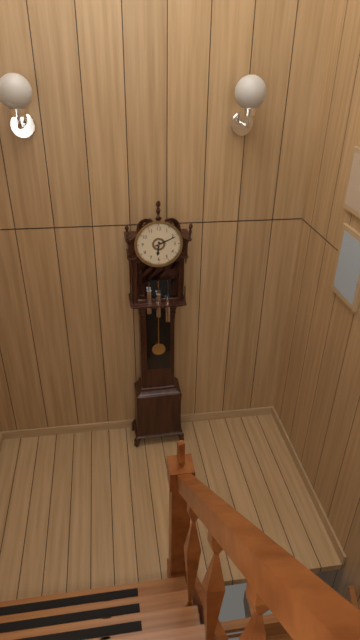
6:11
